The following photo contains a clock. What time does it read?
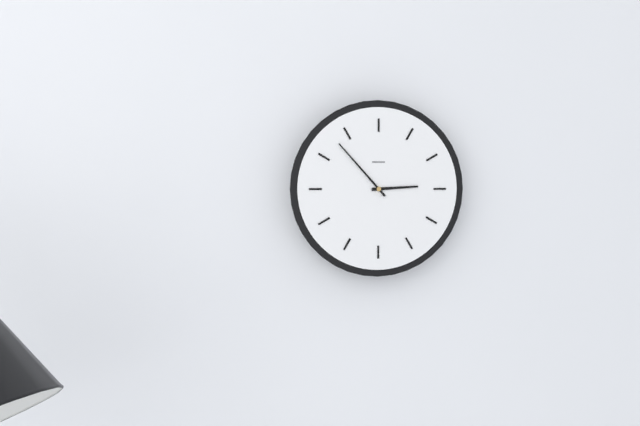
2:53
